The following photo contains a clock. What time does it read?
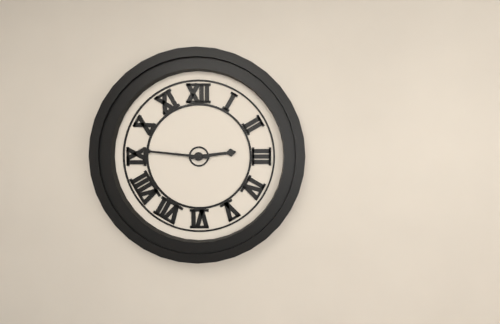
2:46
